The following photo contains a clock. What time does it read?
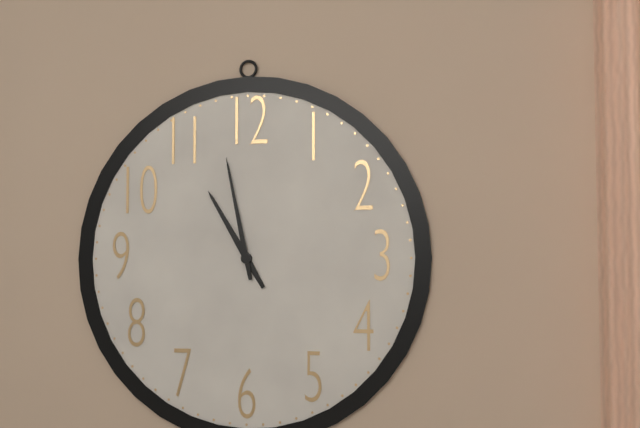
10:58
